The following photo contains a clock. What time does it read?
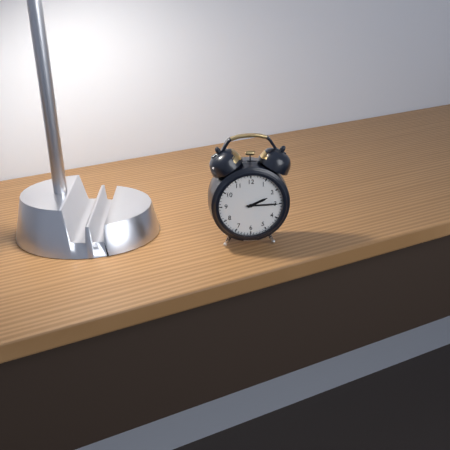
2:15
